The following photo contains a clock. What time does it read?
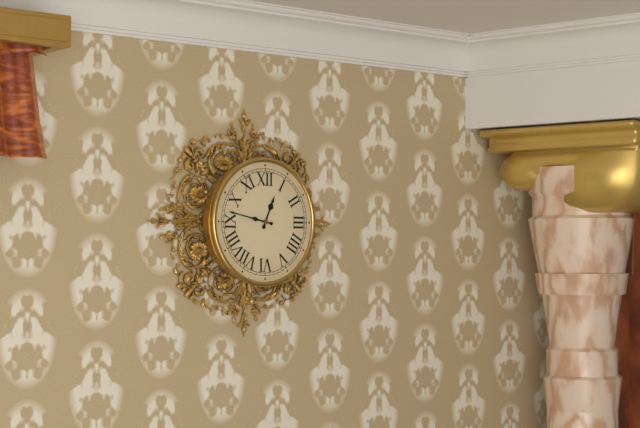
12:47
